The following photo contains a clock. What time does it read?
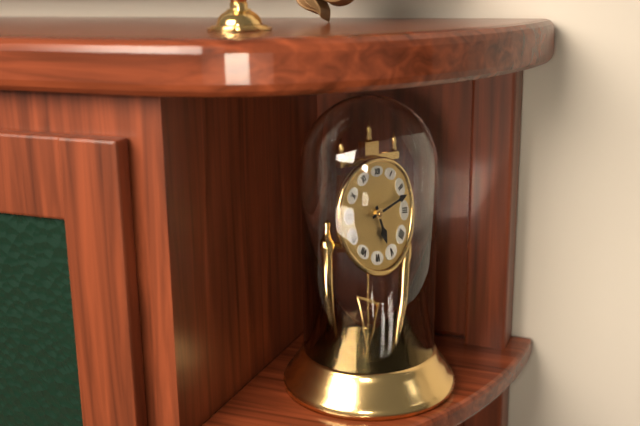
5:12
